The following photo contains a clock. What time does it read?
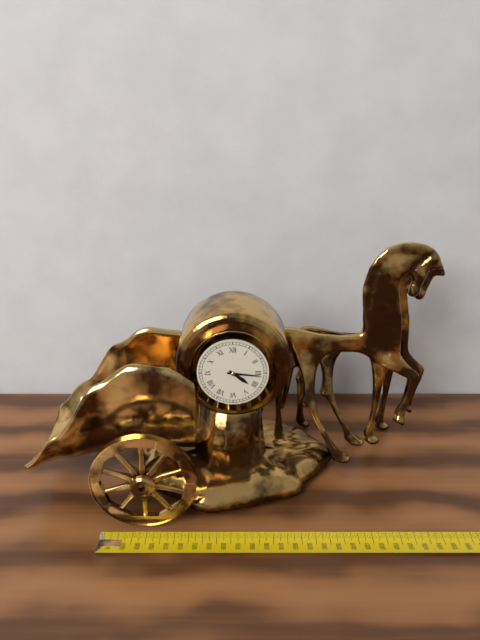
4:16
